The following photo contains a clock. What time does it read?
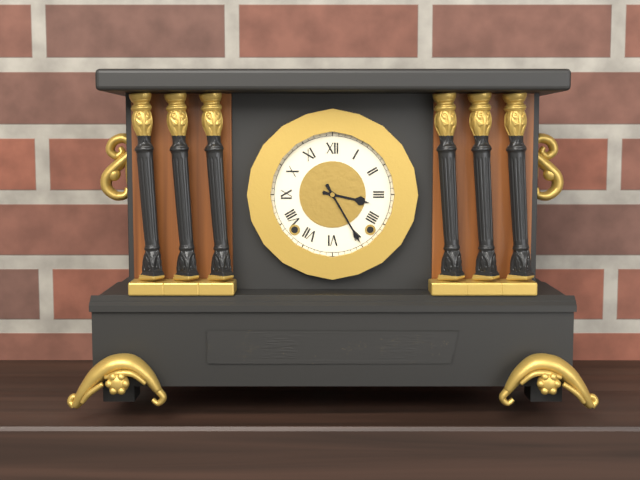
3:25
